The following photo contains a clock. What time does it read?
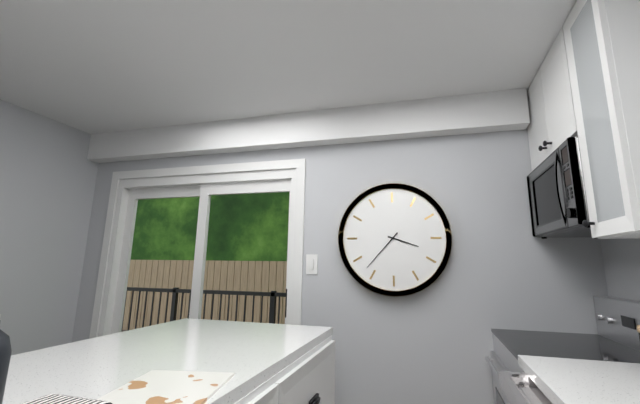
3:37
